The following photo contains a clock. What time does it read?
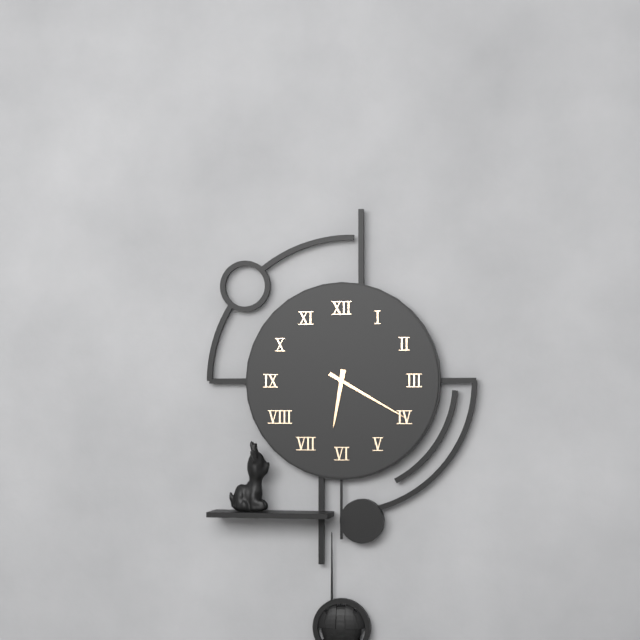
6:20
